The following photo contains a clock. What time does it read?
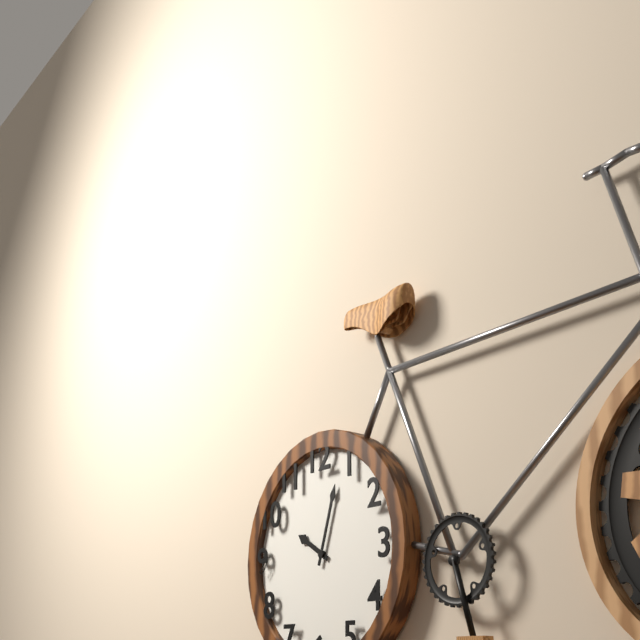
10:03
